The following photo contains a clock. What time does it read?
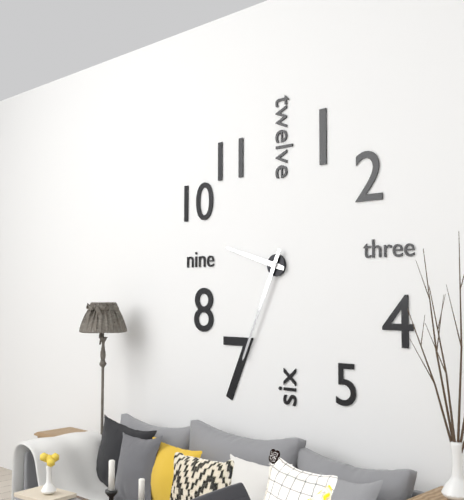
9:34
